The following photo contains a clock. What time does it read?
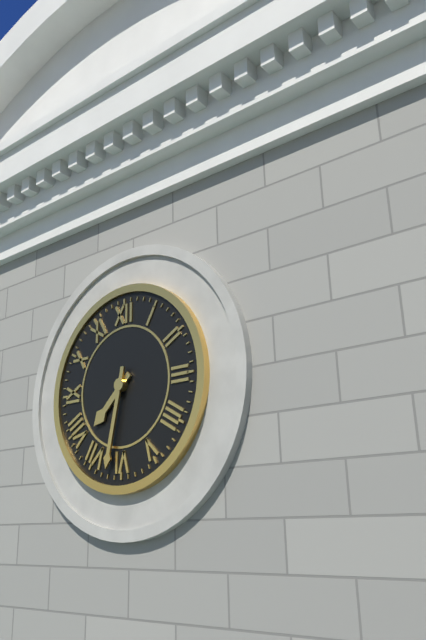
7:32
